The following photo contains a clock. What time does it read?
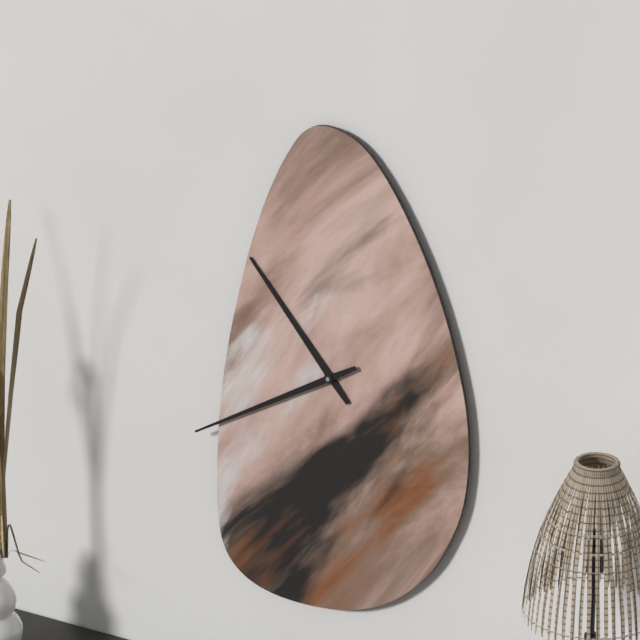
10:40
